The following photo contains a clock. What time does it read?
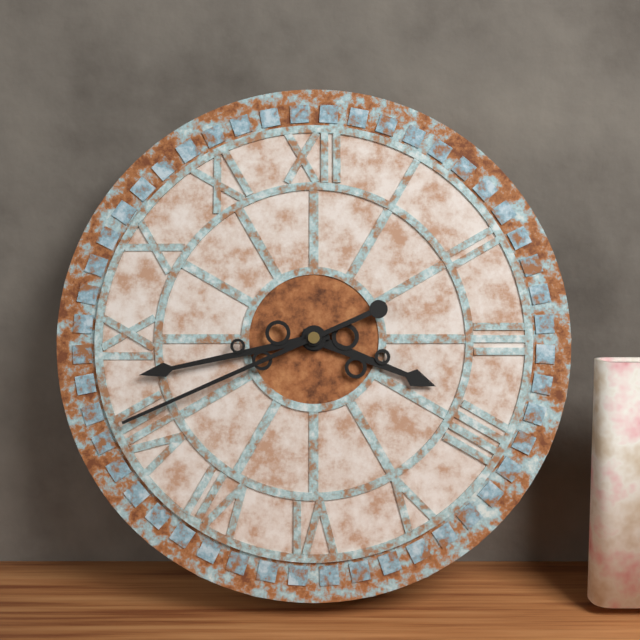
3:43:41
